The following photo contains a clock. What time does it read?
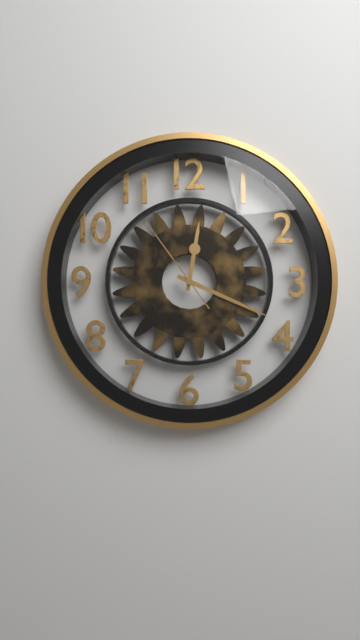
12:19:54
